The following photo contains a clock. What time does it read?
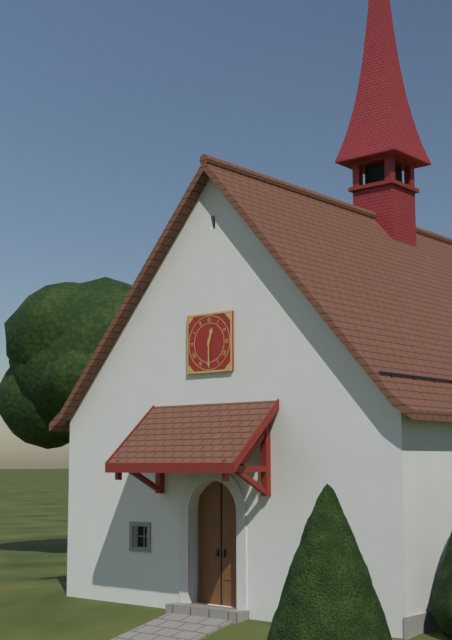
12:30
